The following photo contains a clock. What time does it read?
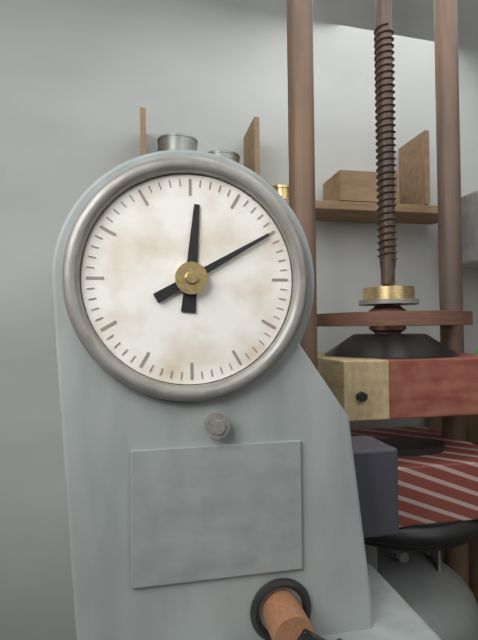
12:10
